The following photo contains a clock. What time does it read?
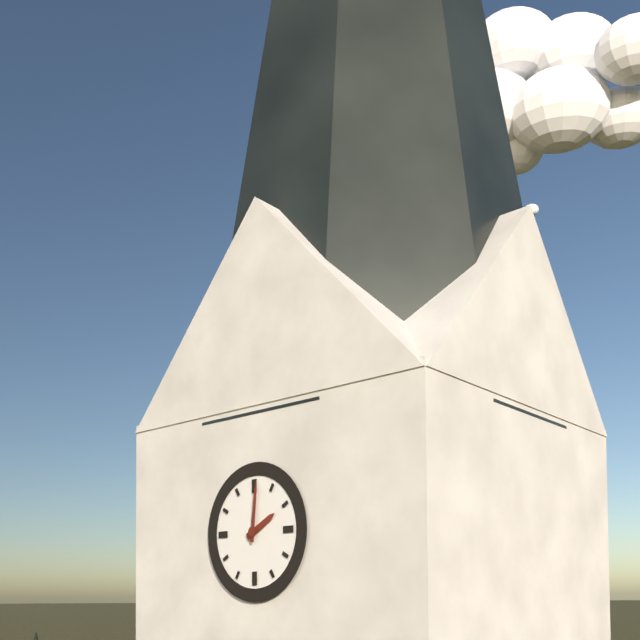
2:01
